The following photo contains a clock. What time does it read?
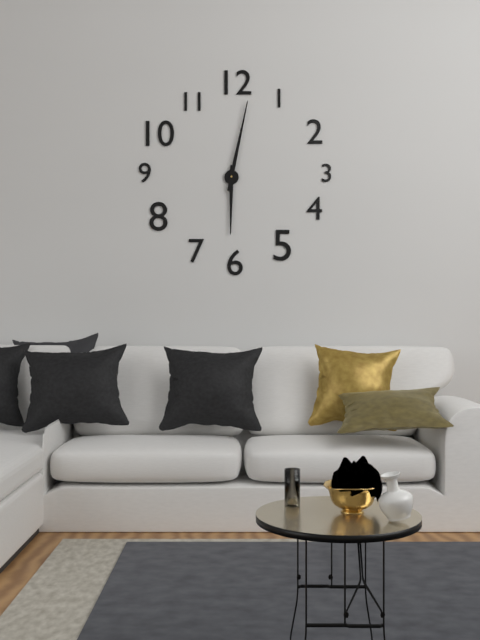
6:02
